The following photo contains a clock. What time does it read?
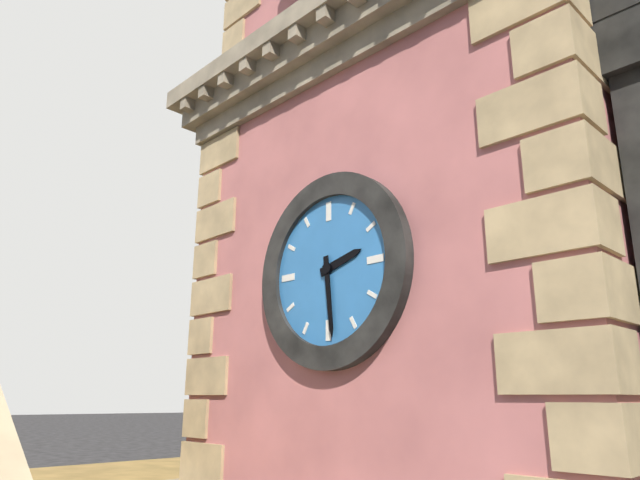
2:29
